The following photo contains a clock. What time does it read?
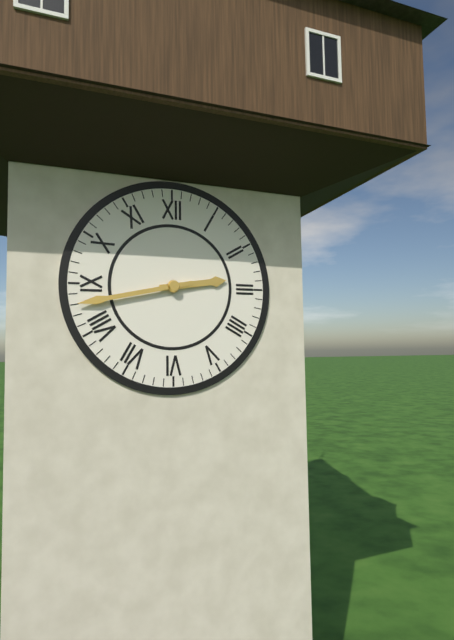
2:43
